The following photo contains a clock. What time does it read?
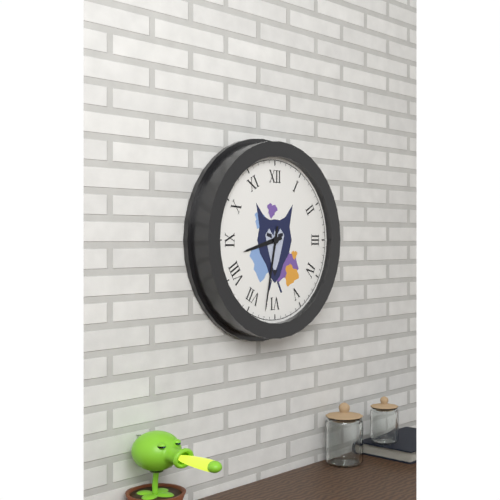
8:32
